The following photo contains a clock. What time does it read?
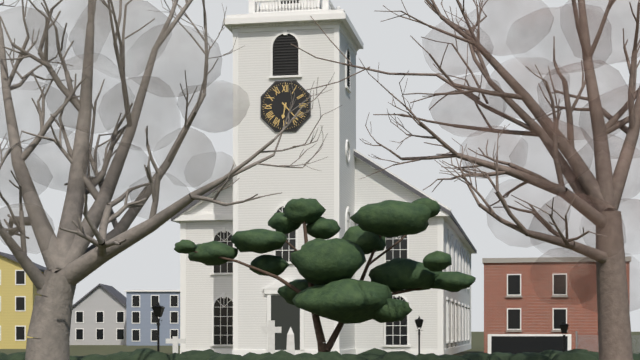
6:23
